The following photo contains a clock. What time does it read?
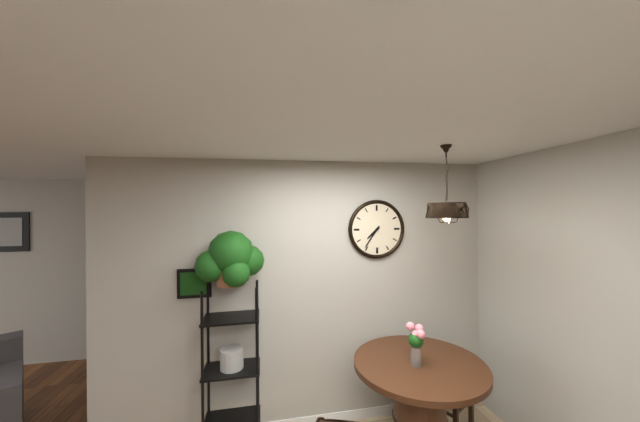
7:36
